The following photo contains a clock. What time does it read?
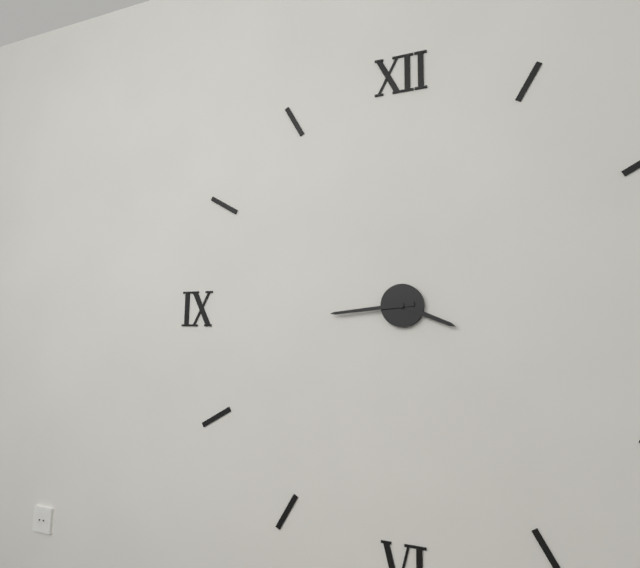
3:44
